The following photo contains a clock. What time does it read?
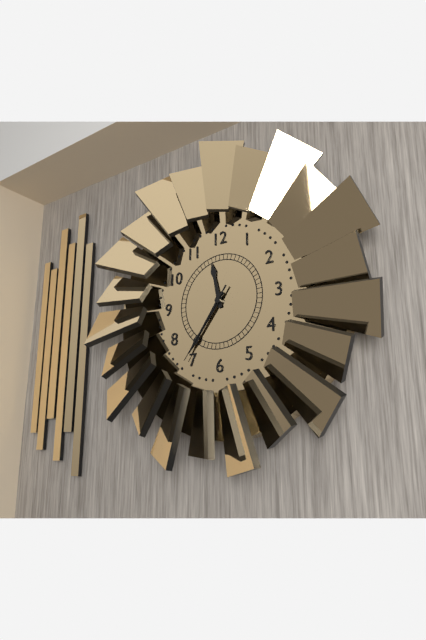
11:36:36
